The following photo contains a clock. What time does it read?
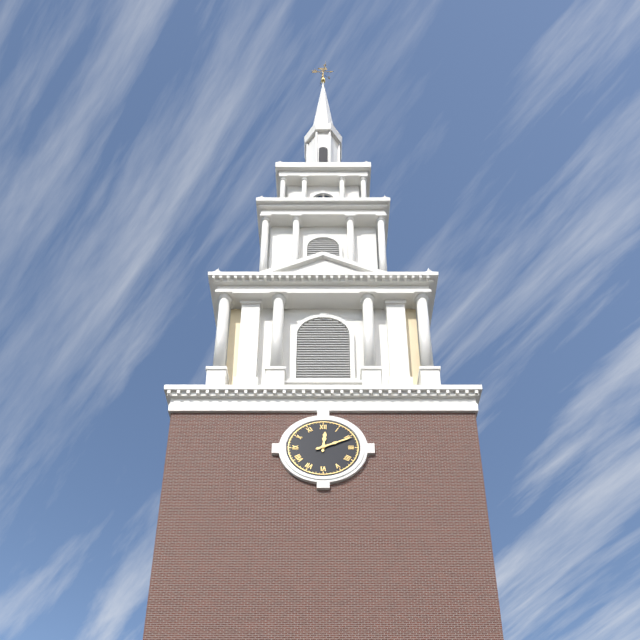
12:11
